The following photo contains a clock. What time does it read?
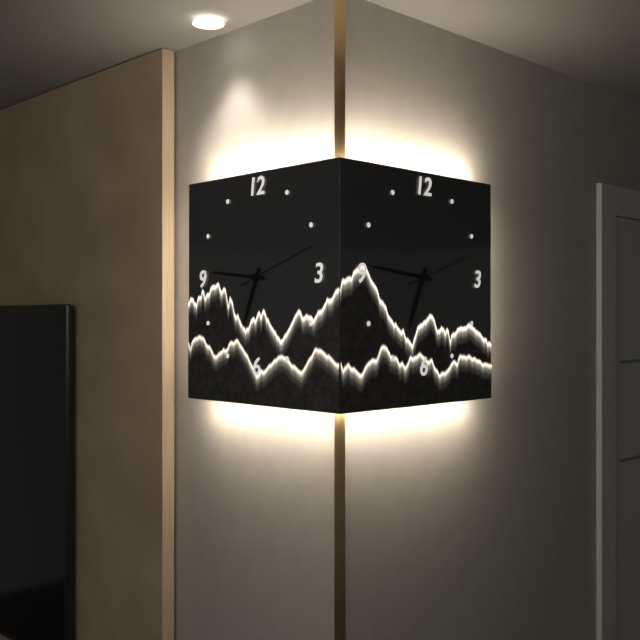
6:46:12
